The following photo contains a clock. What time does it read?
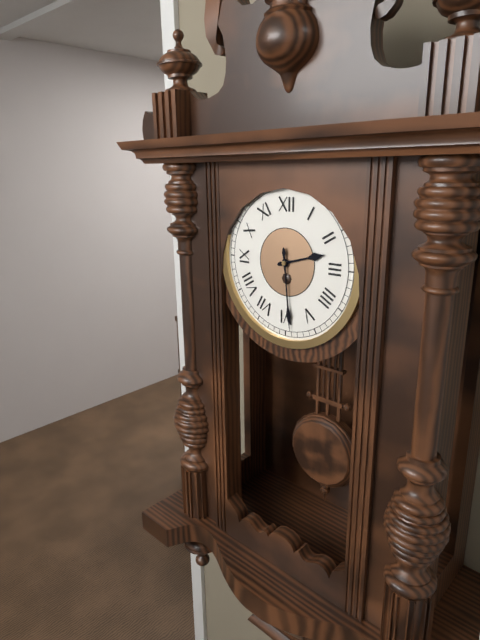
2:29
